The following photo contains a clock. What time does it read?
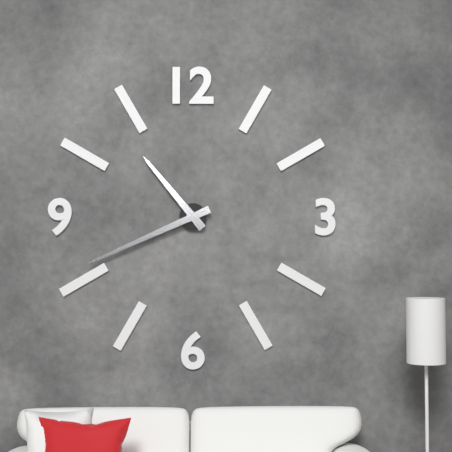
10:41
